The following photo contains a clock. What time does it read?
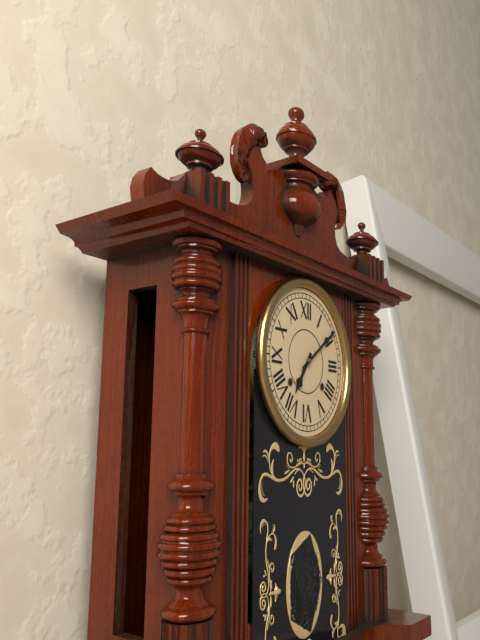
7:09
